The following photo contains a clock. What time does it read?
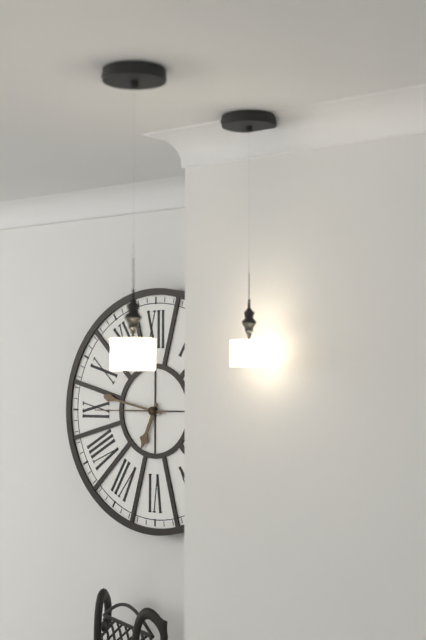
6:47:45
